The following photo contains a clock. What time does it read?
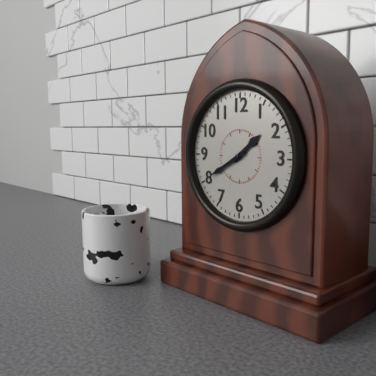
1:40
